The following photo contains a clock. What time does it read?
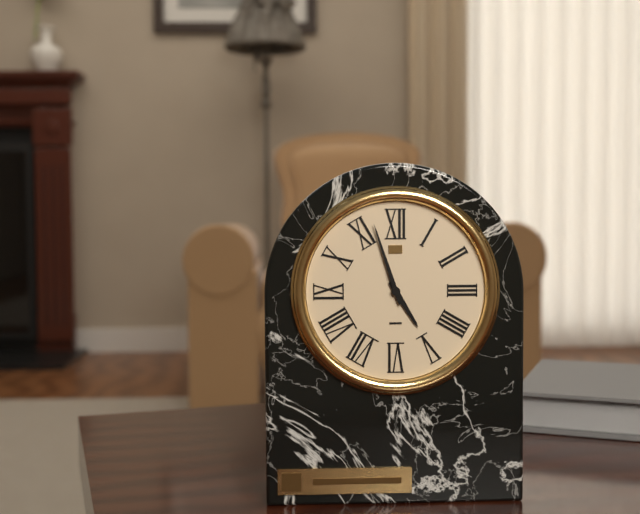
4:57
